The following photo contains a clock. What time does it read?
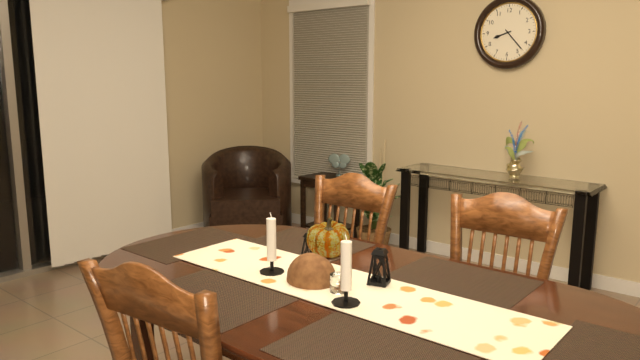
8:23
